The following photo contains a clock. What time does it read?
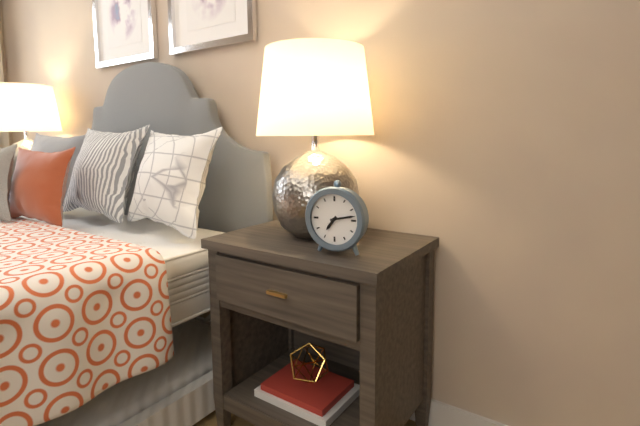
7:13
